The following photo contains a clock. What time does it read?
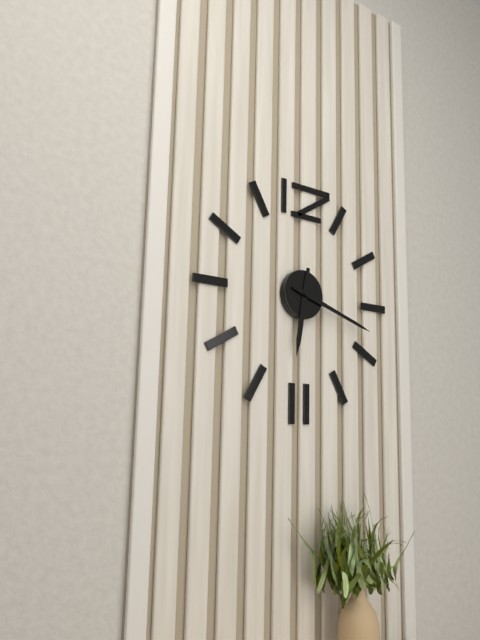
6:18
